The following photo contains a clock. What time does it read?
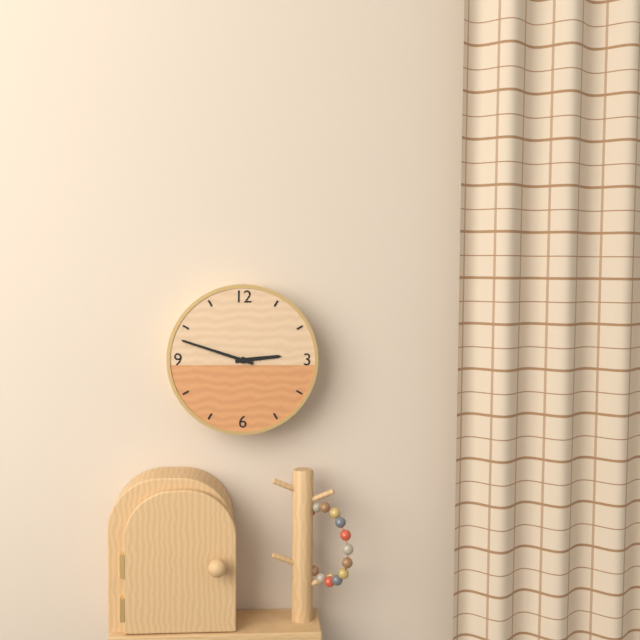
2:48
